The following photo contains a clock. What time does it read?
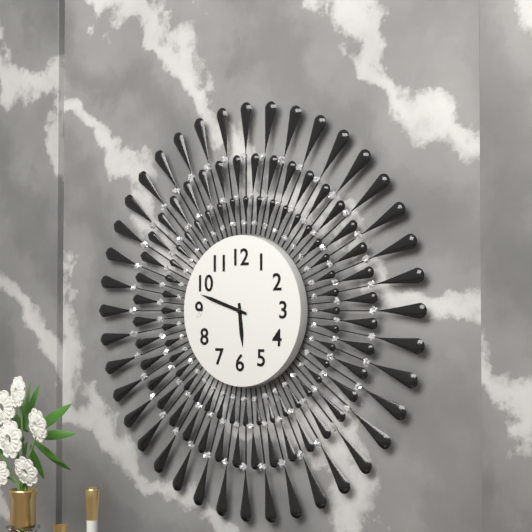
5:48
